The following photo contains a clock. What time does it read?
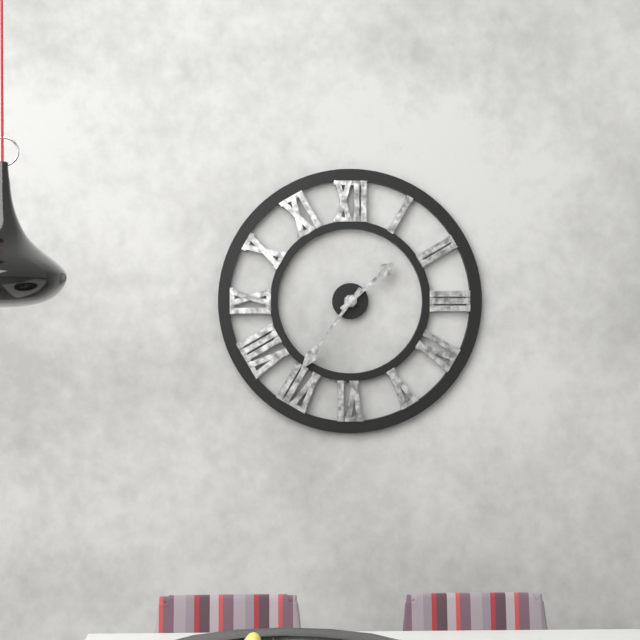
1:36
